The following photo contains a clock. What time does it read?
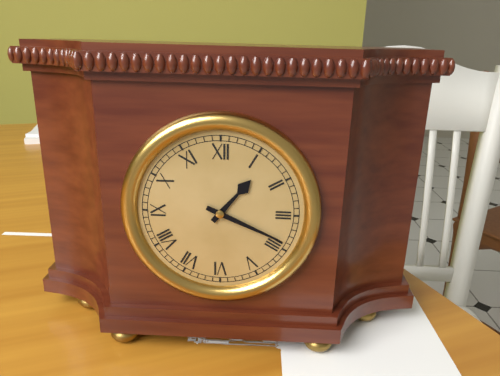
1:19
